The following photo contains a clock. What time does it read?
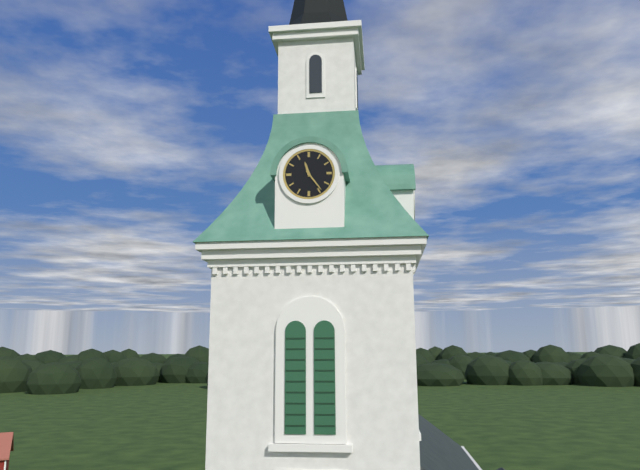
11:24
